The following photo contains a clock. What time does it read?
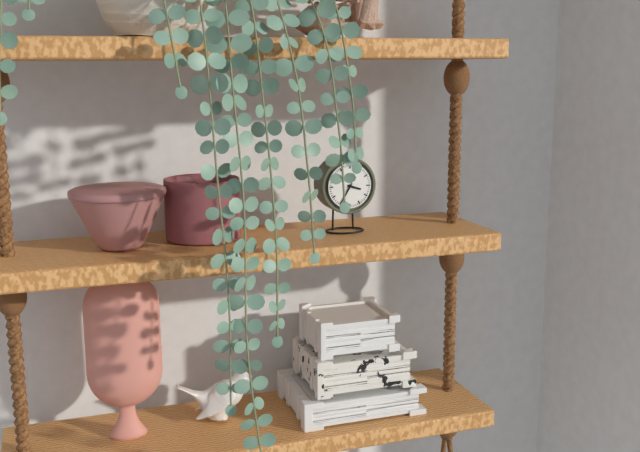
3:35
